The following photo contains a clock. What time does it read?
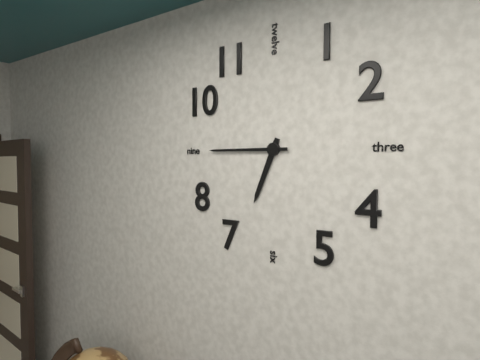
6:45
